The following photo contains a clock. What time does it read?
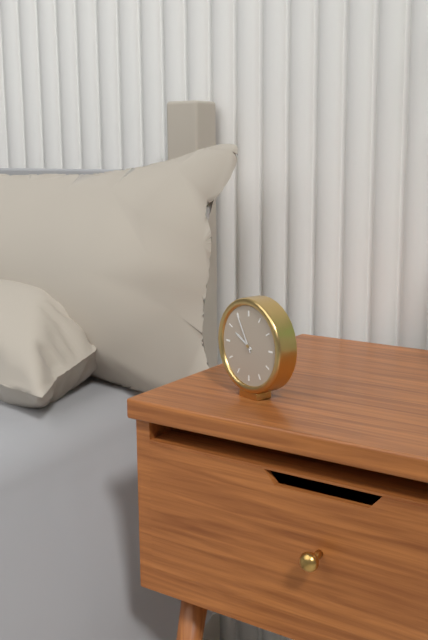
9:55
